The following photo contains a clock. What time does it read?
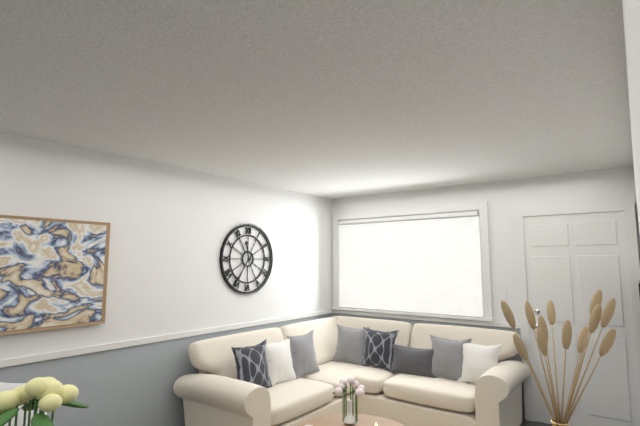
11:36
